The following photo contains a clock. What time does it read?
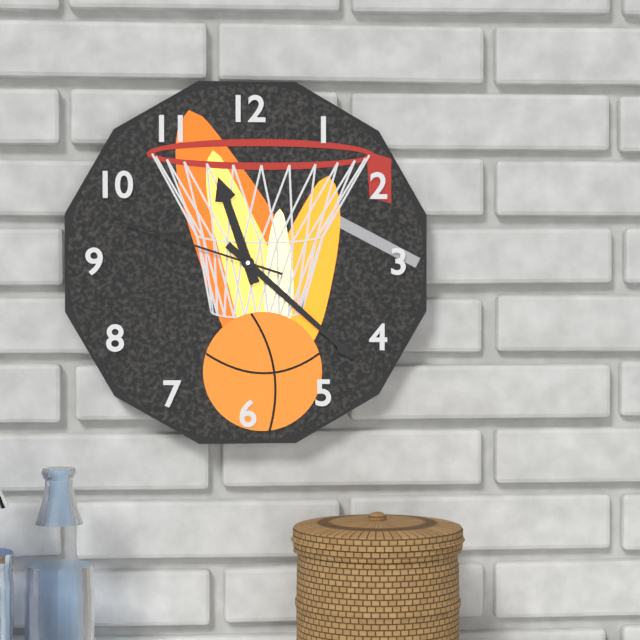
11:22:48
